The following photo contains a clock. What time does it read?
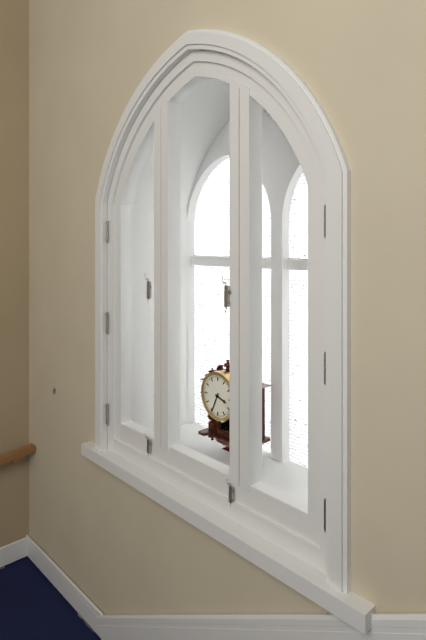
3:34
